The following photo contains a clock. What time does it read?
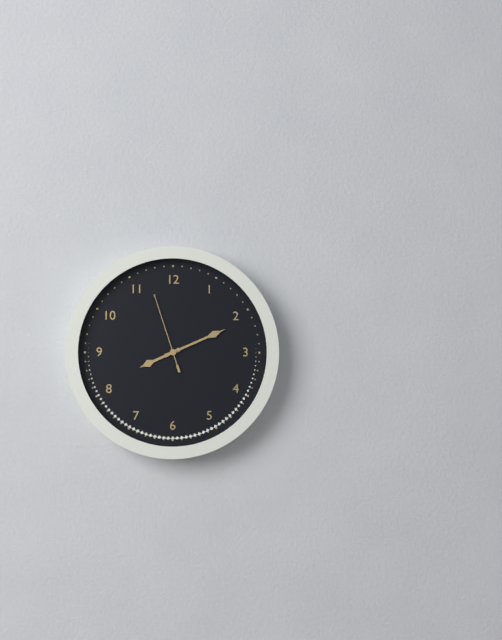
8:11:57
